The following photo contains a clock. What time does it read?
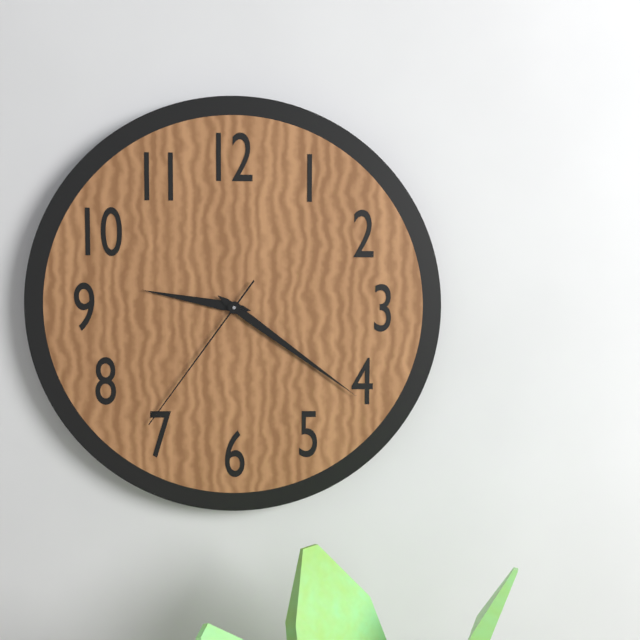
9:21:36
